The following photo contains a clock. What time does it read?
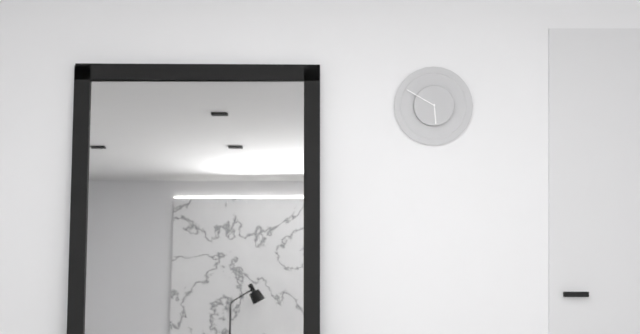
5:50
